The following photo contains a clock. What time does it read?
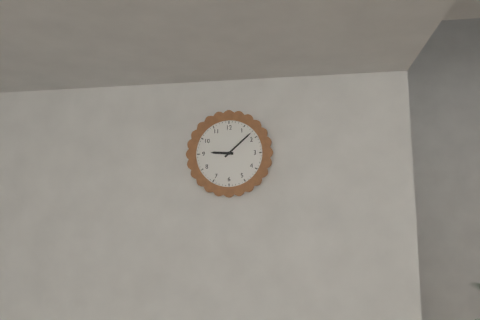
9:08
